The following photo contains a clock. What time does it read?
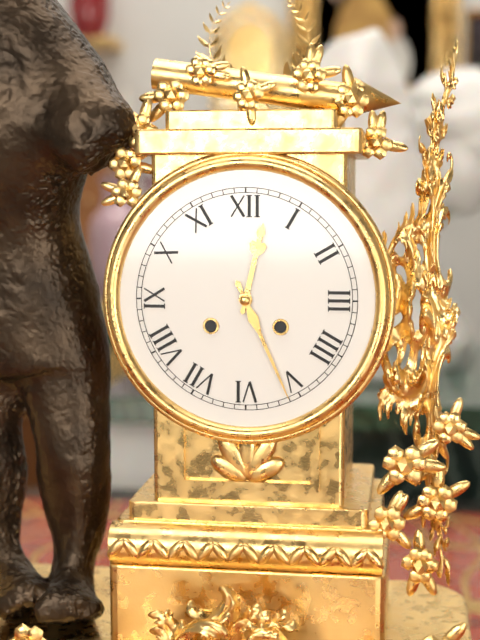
12:26
